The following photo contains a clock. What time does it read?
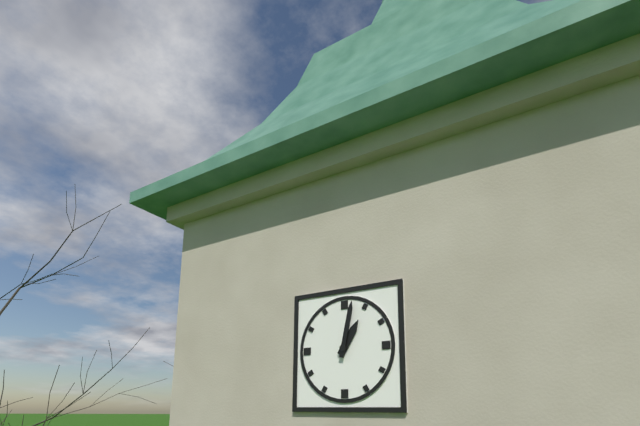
1:02
